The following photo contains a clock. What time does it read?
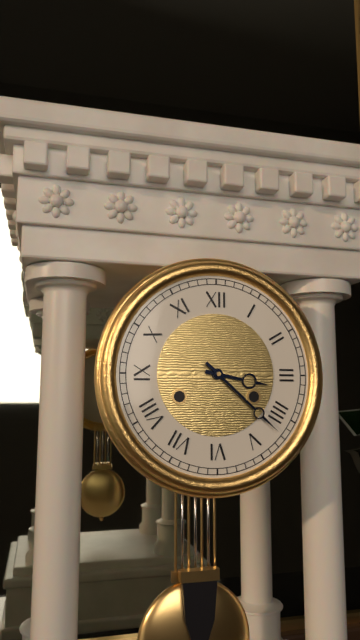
3:22
